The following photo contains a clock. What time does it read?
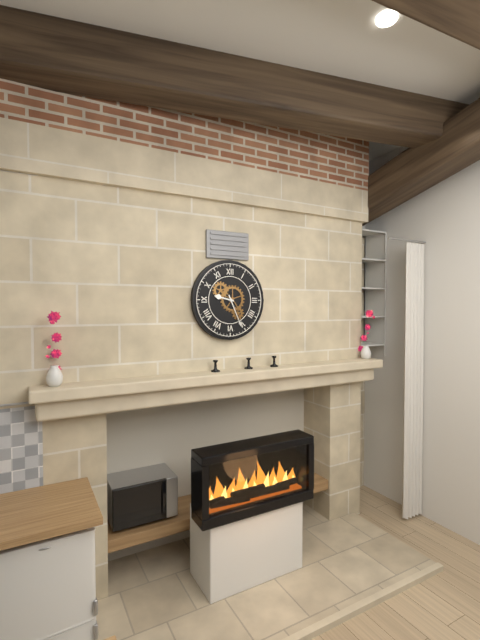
9:26
